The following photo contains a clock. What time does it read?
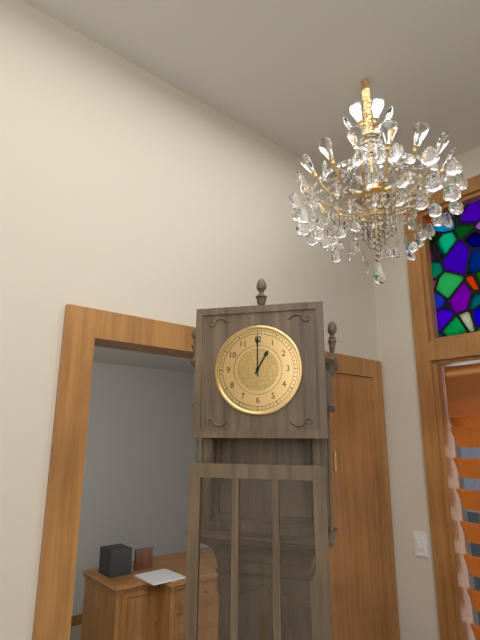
1:00
